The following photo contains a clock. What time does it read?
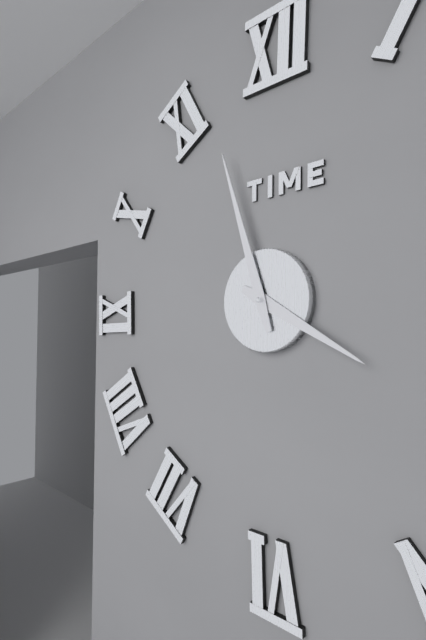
3:57
